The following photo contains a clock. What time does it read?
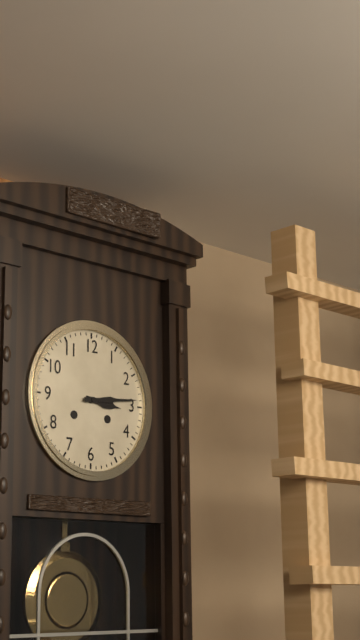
3:14
